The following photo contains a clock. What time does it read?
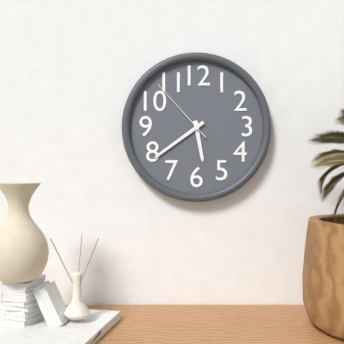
5:39:53
